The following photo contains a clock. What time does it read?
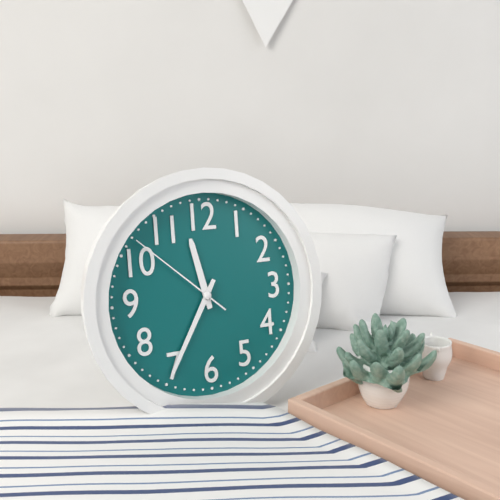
11:35:52
